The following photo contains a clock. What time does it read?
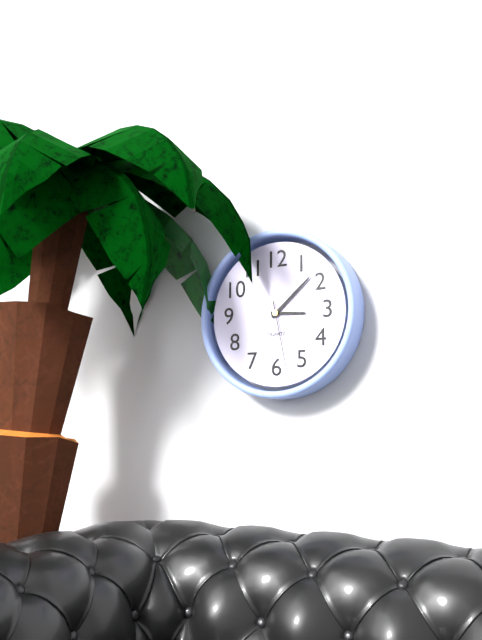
3:08:28
